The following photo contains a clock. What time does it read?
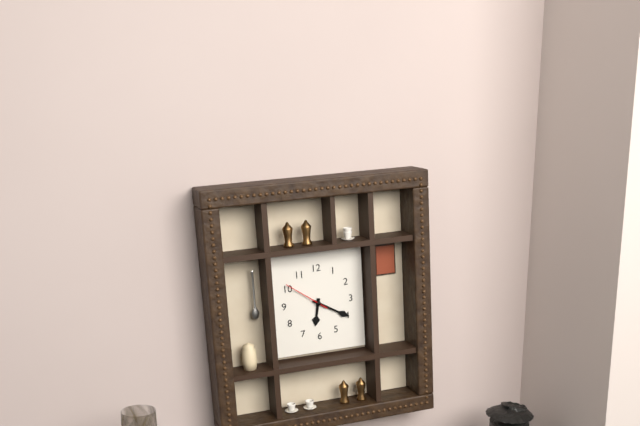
6:20
